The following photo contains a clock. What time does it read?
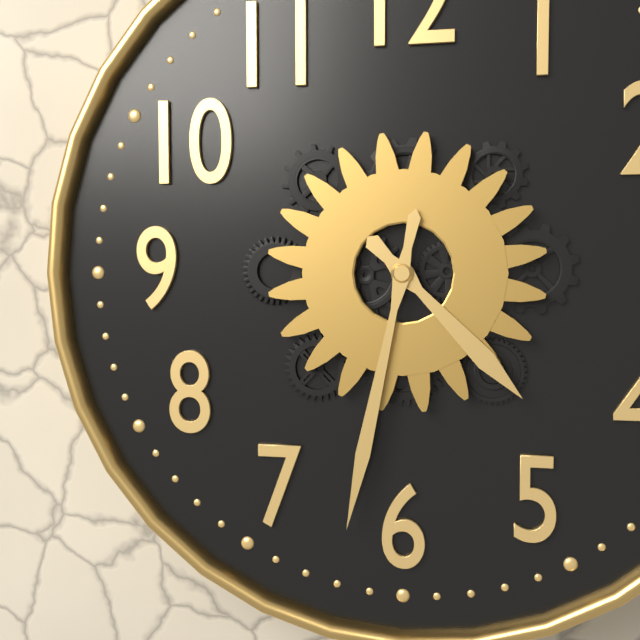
4:32
